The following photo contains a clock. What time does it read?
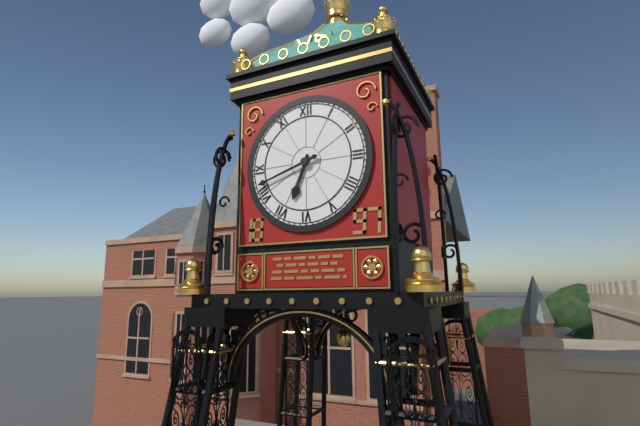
6:42
